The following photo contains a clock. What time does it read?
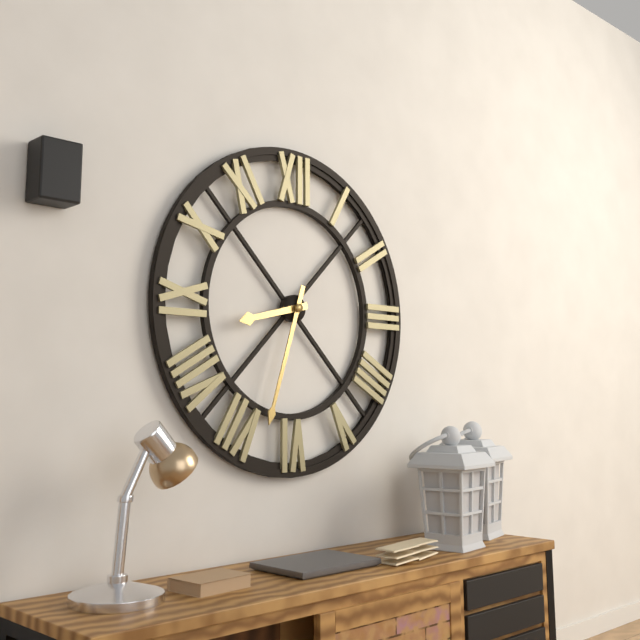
8:33
